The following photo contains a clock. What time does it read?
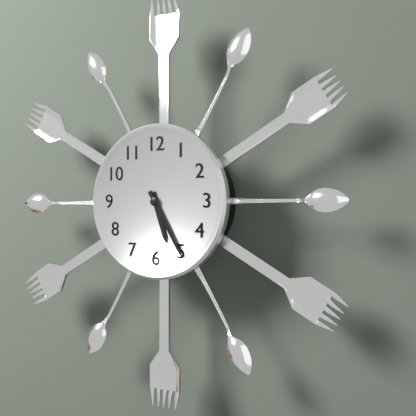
5:25
